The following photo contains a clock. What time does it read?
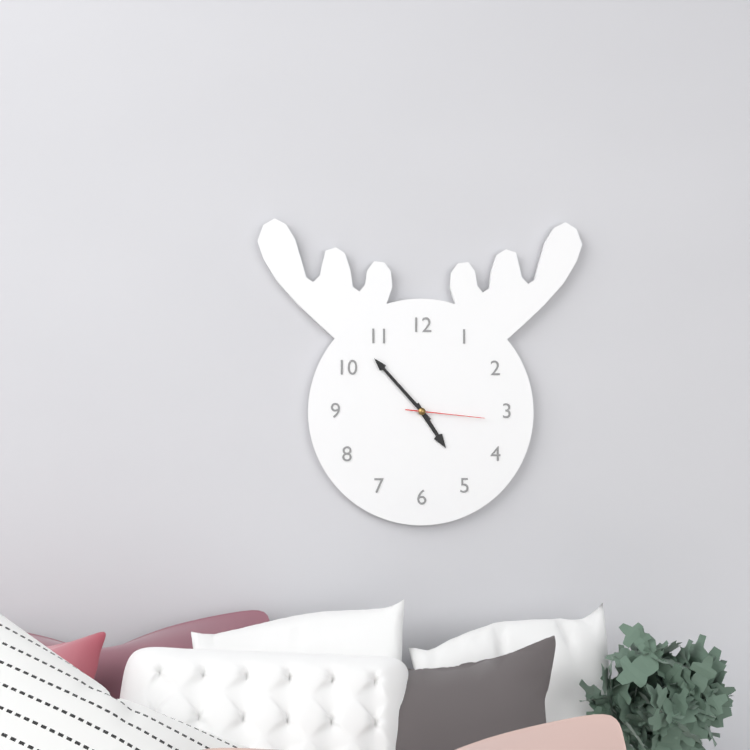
4:53:16
